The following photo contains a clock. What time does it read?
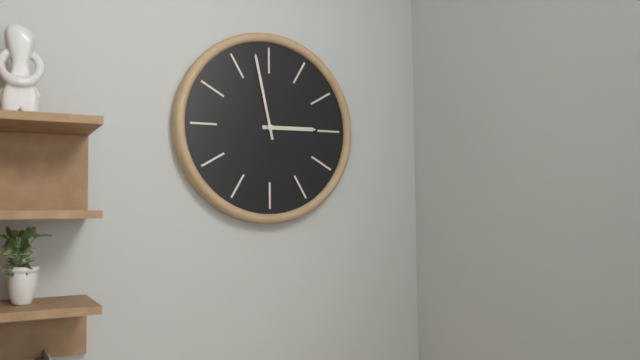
2:58
